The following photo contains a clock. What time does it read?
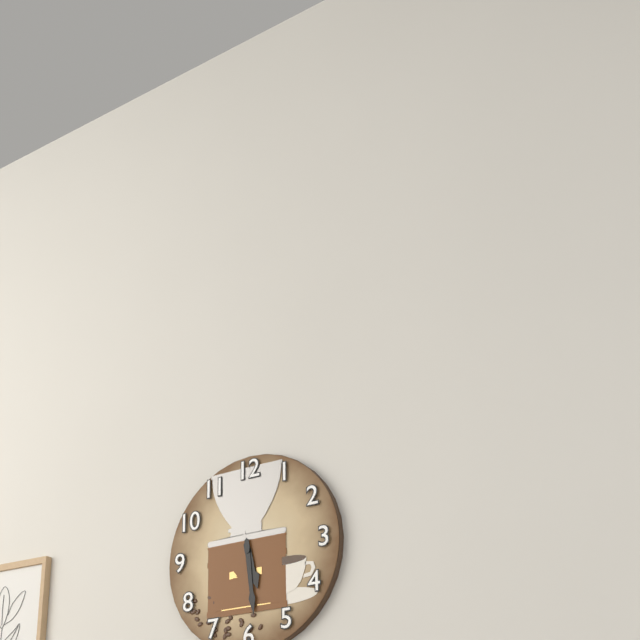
5:29
